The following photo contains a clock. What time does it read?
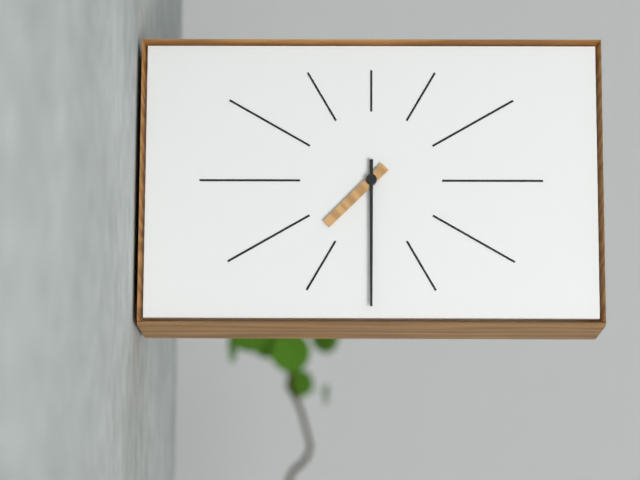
7:30
